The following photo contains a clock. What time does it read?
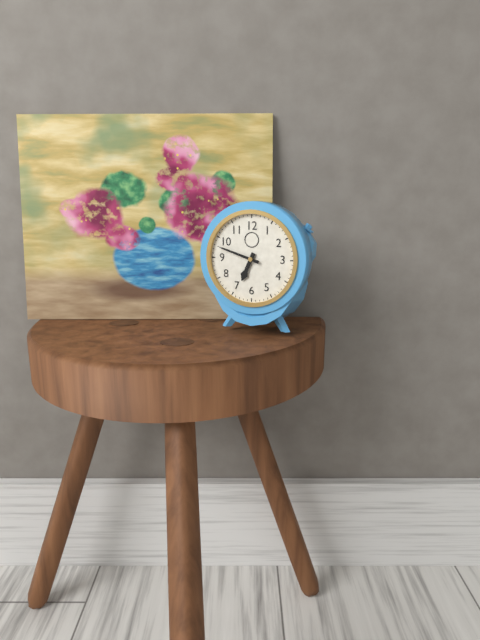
6:48
